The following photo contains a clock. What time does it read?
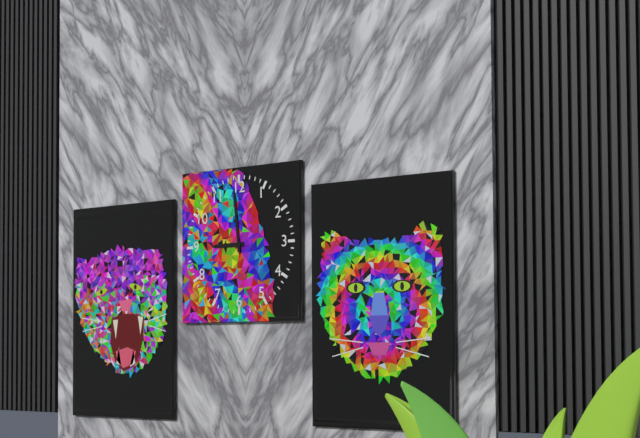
8:59
